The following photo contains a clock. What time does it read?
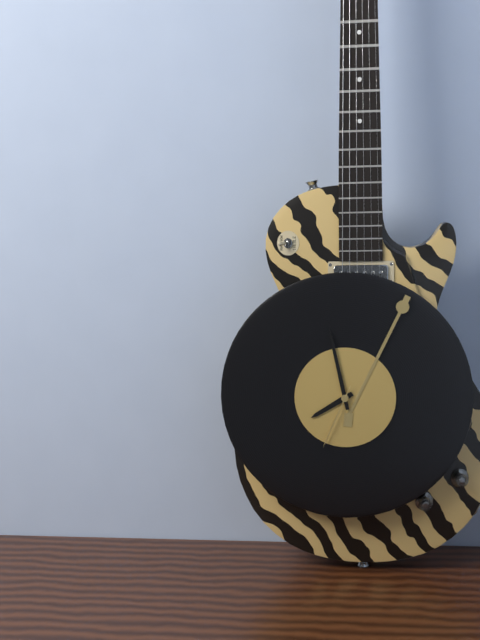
7:58:34
